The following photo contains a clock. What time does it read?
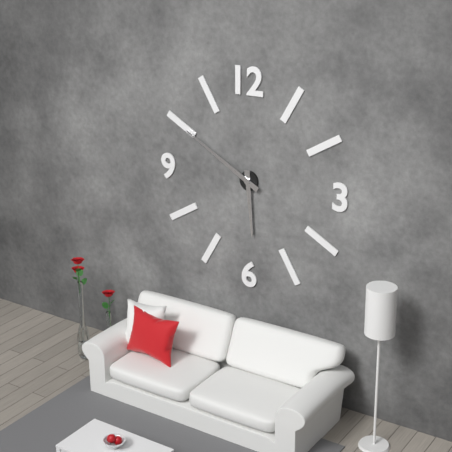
5:50
